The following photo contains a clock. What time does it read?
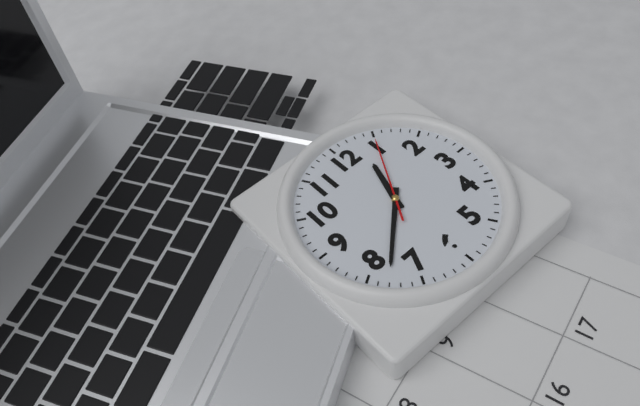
12:38:05
